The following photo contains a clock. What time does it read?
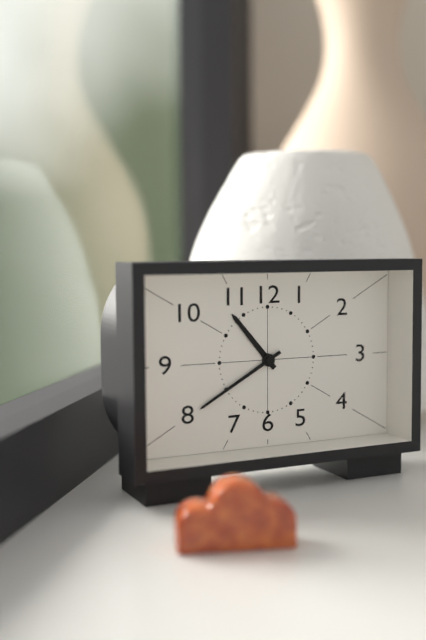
10:40
